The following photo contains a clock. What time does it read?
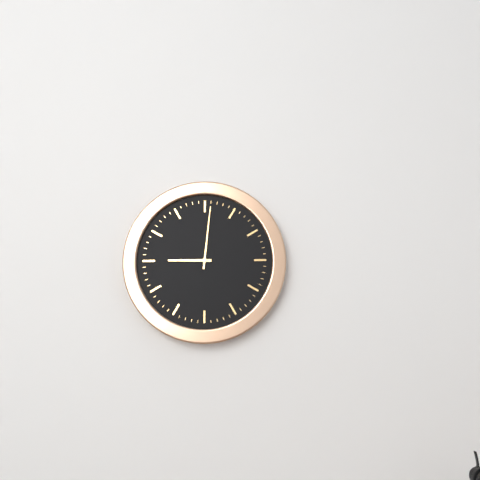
9:01
